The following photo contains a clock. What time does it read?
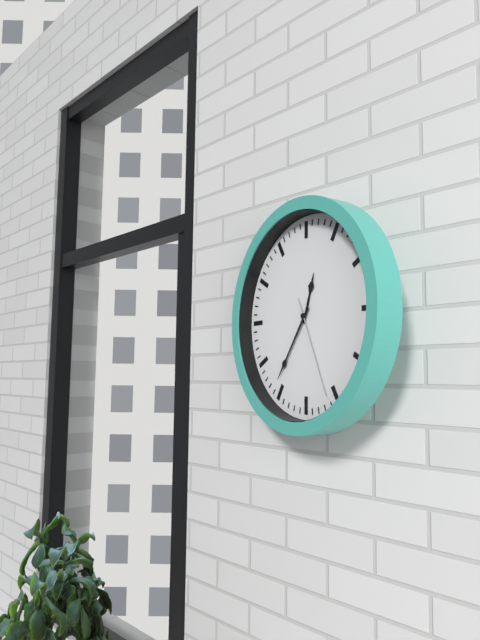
12:36:26
